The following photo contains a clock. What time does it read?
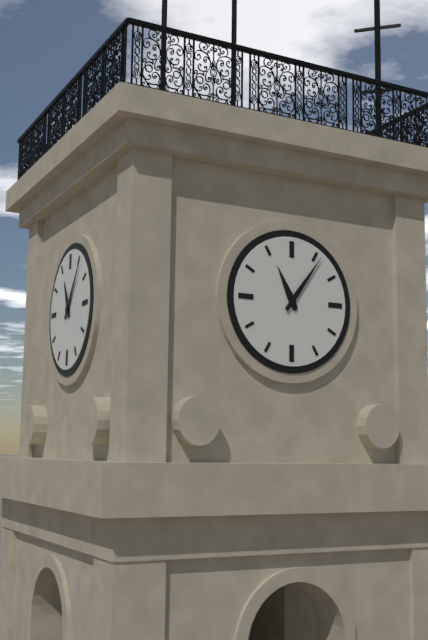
11:06
